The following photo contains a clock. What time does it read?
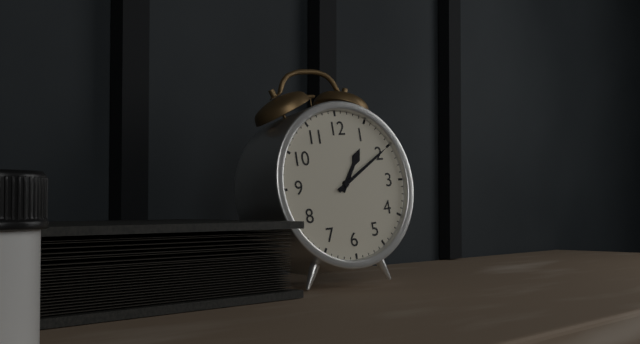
1:10
